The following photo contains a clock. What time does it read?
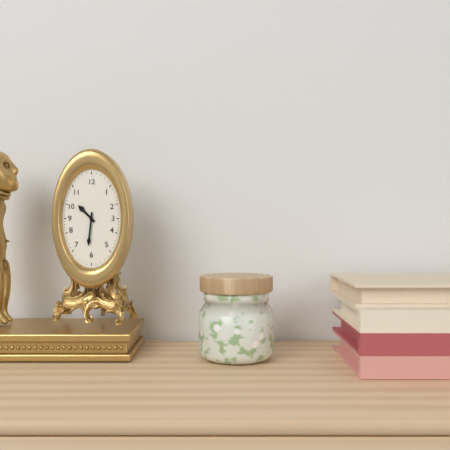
10:31
